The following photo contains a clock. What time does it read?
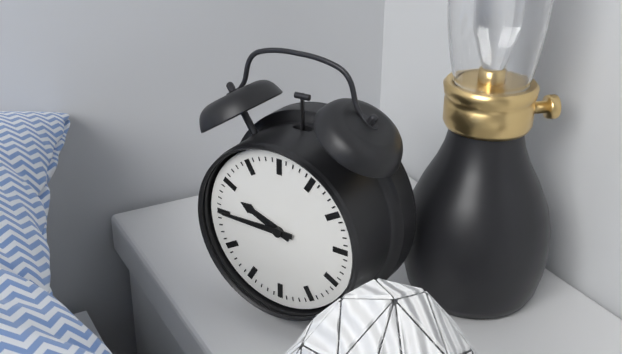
9:45
